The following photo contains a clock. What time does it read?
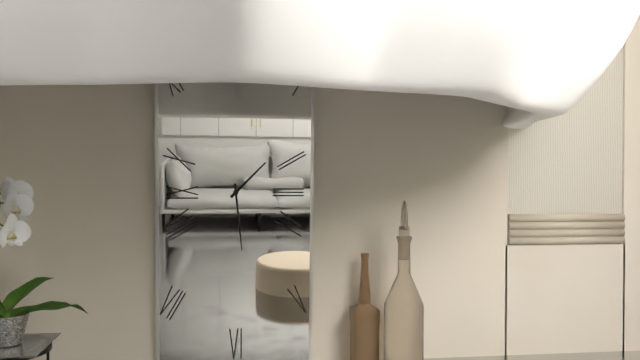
1:29
